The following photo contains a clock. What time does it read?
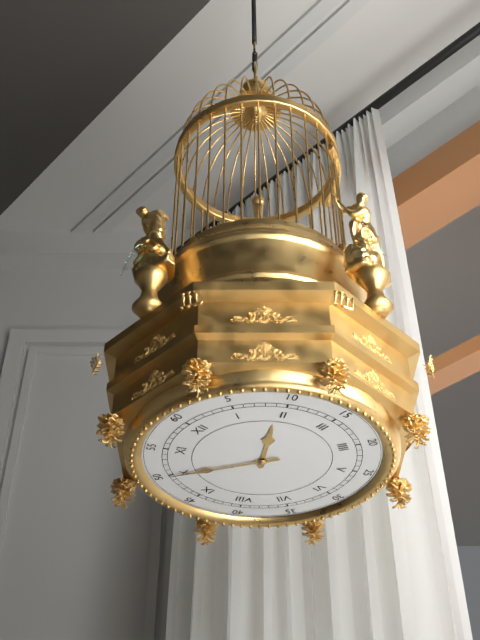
1:50
